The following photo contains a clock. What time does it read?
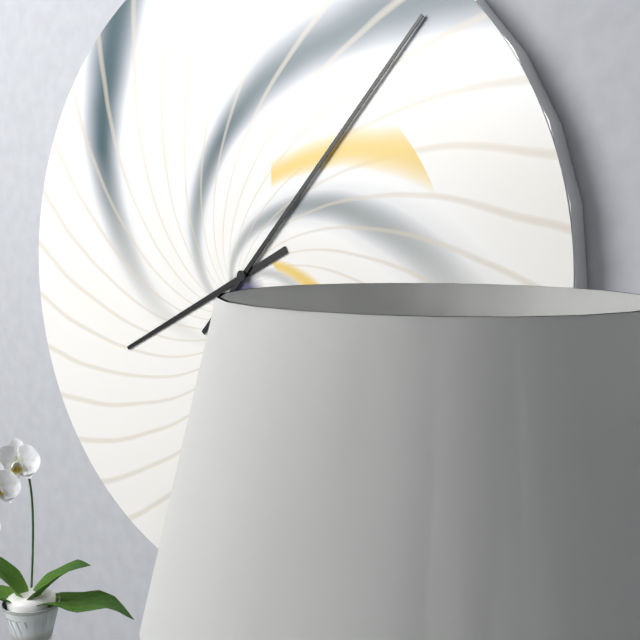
8:07
